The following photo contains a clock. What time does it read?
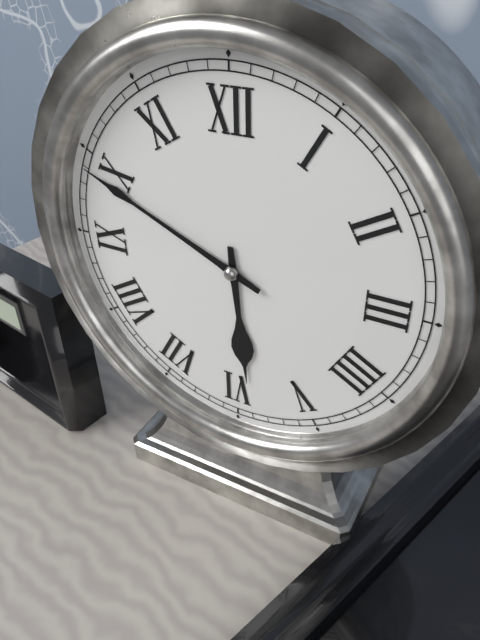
5:49
